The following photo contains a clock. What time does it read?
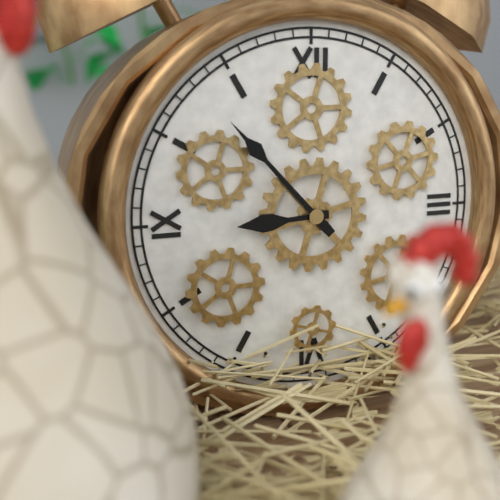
8:53
